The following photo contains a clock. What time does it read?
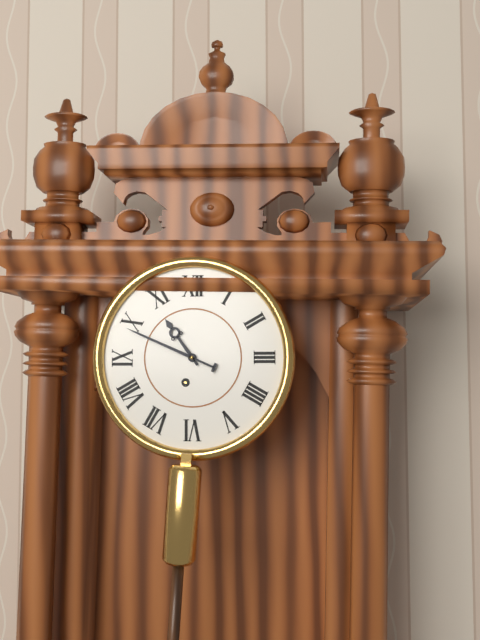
10:49
